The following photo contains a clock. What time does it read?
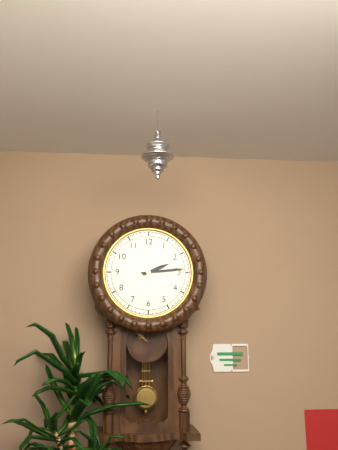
2:14
